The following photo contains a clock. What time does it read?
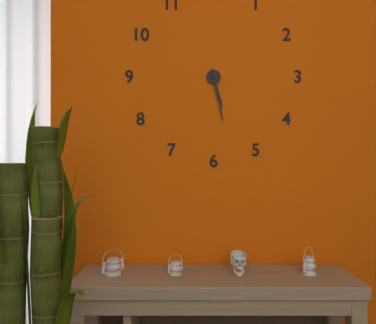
5:28
